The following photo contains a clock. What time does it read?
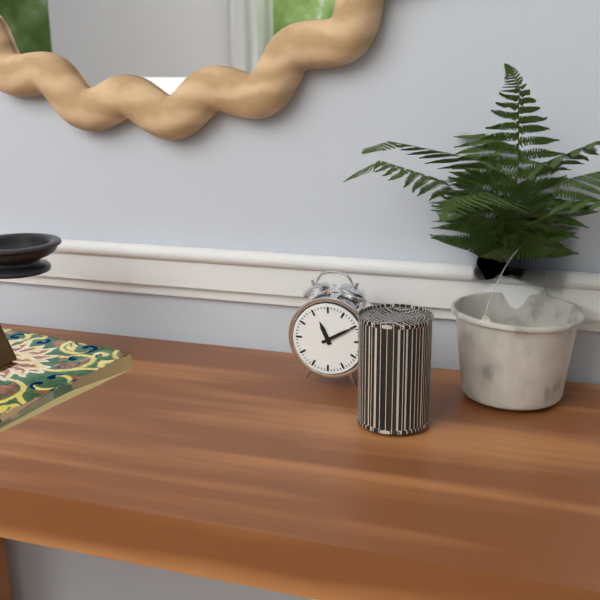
11:10
